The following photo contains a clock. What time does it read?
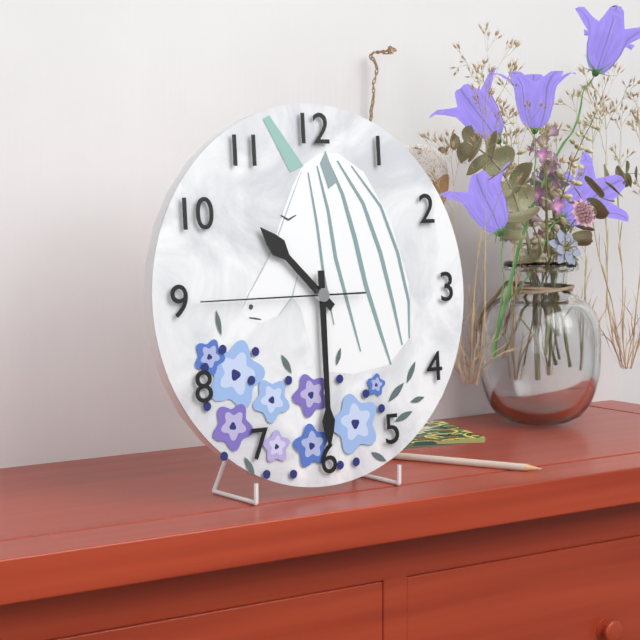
10:30:45
